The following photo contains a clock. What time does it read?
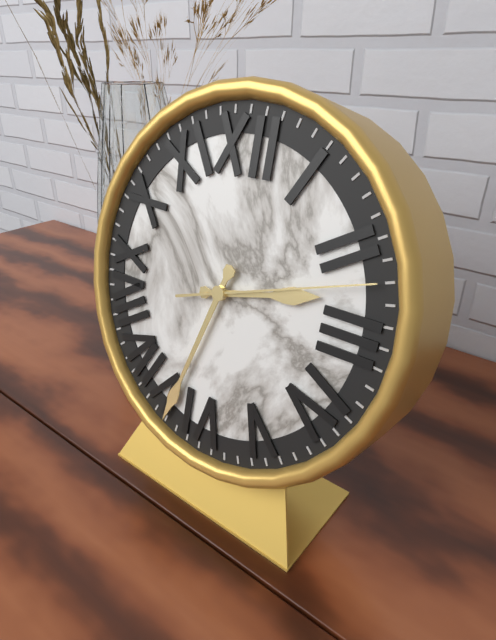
2:33:12
